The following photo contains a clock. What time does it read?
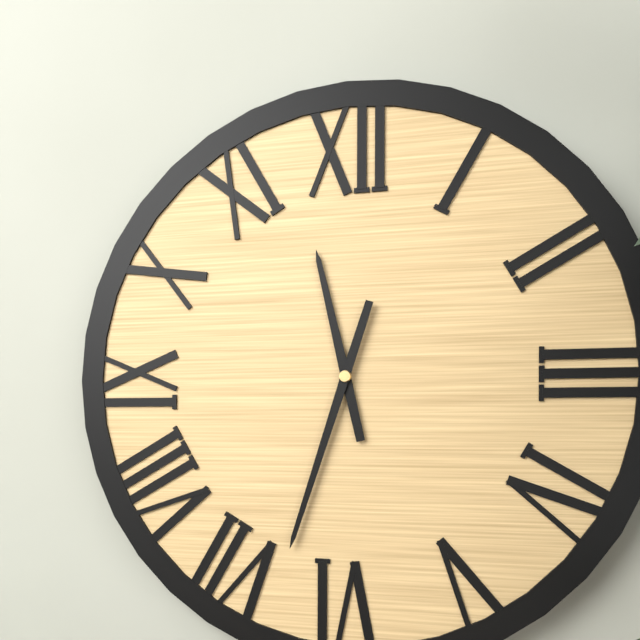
11:33
